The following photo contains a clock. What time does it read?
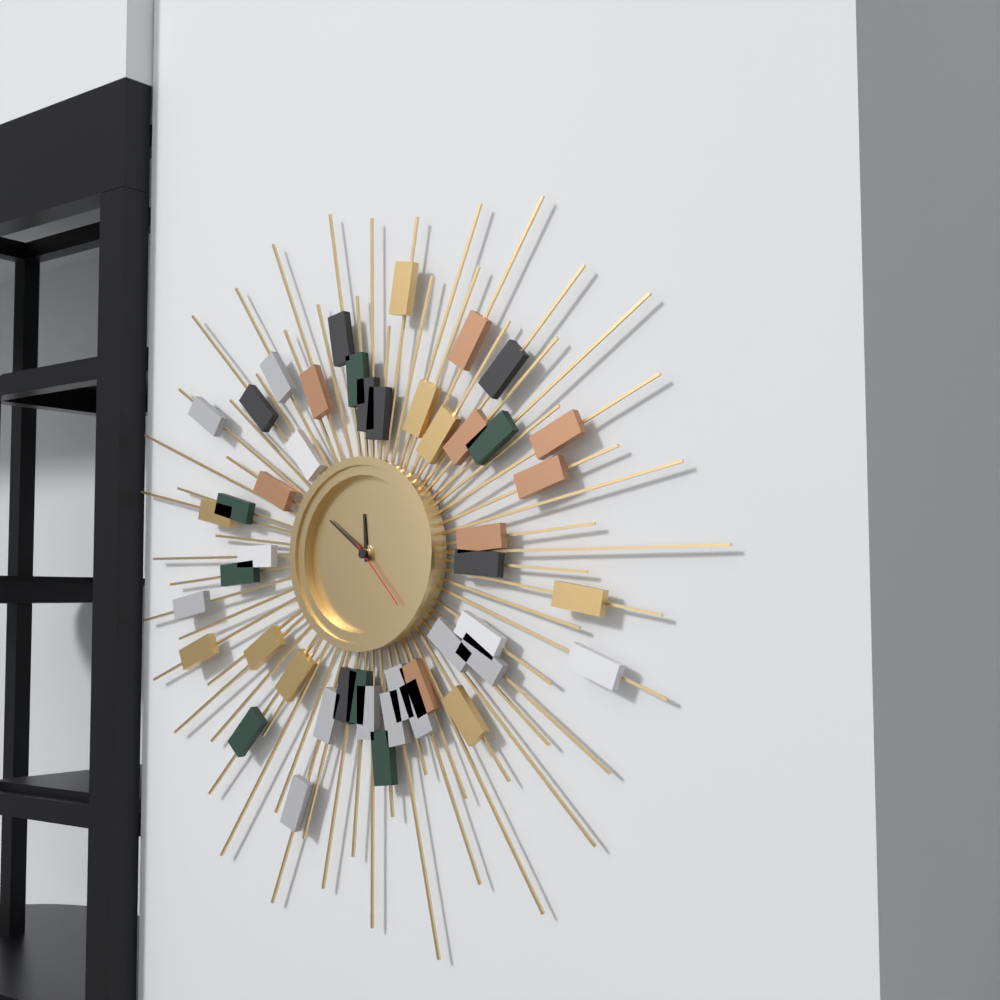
11:51:23
